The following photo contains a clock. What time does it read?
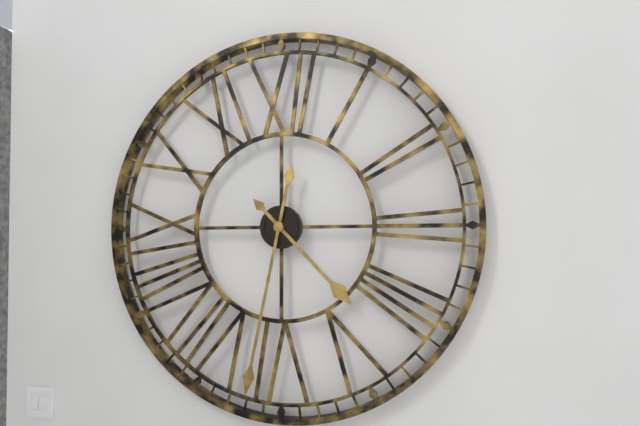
4:32
